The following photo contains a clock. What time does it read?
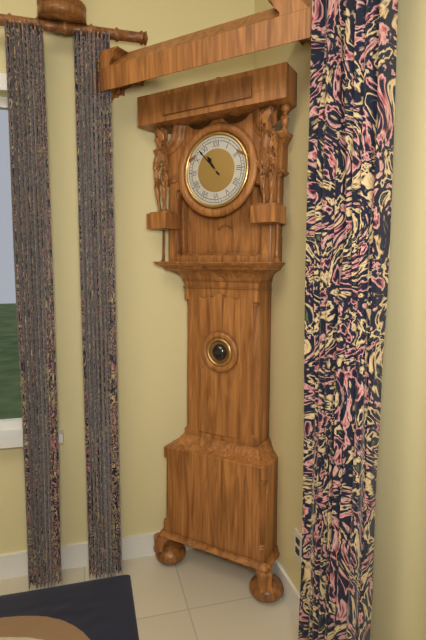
10:53
